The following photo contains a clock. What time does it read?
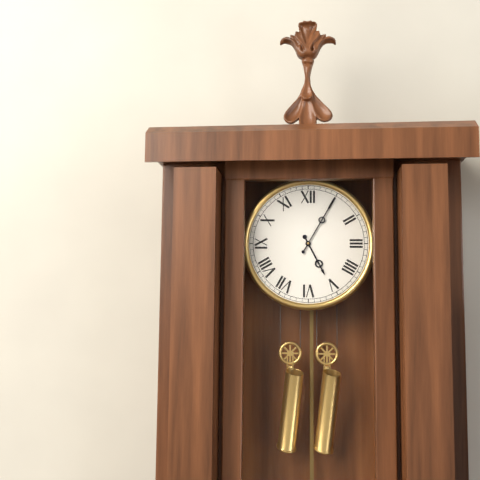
5:05
